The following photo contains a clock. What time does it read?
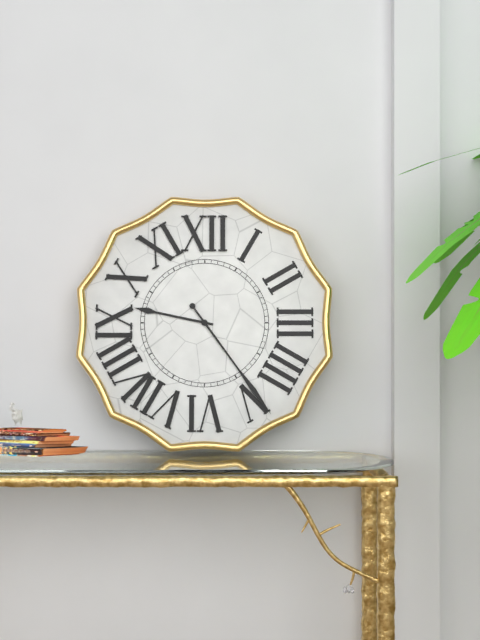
9:24
